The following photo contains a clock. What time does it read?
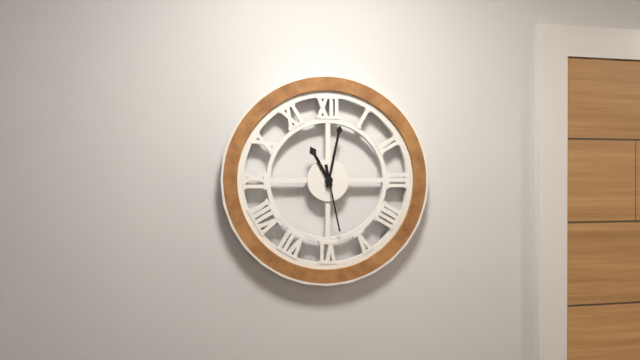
11:02:28
